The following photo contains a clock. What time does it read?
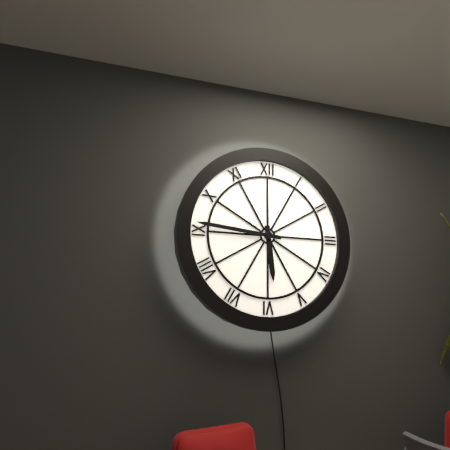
5:46
